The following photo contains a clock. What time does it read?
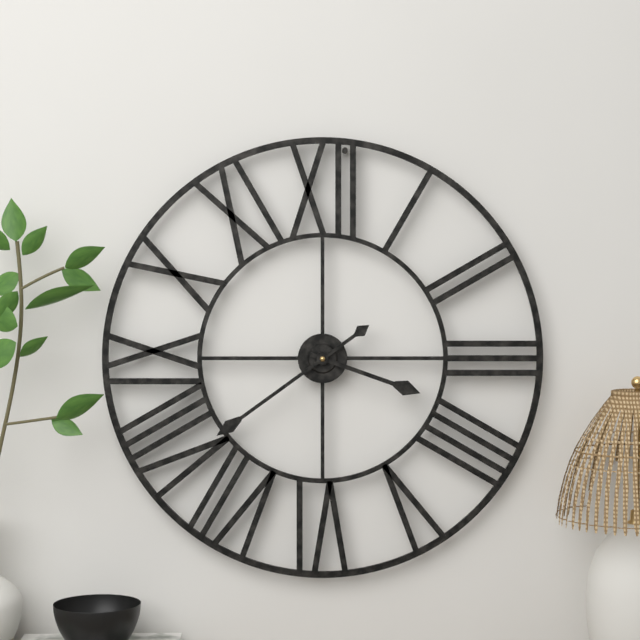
3:39
